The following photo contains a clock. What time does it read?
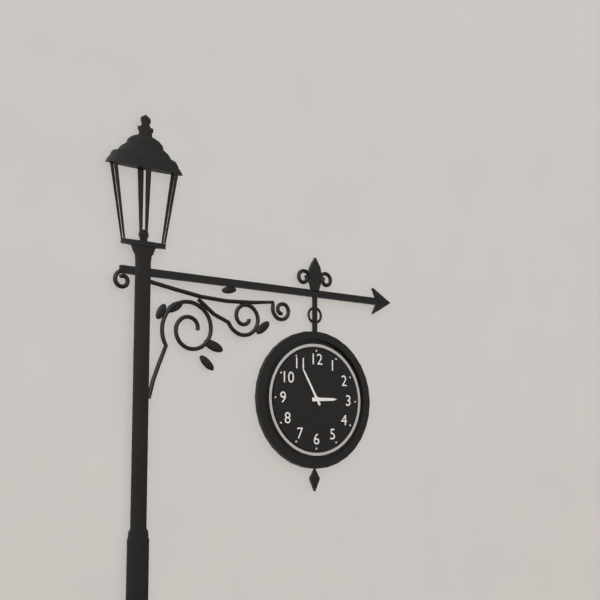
2:55
